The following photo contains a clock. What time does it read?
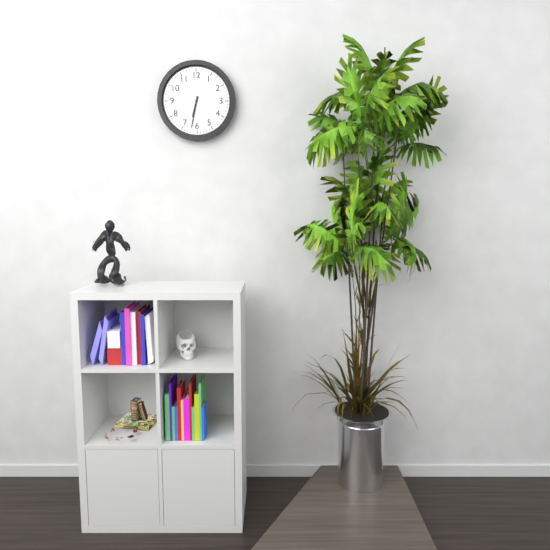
6:32
